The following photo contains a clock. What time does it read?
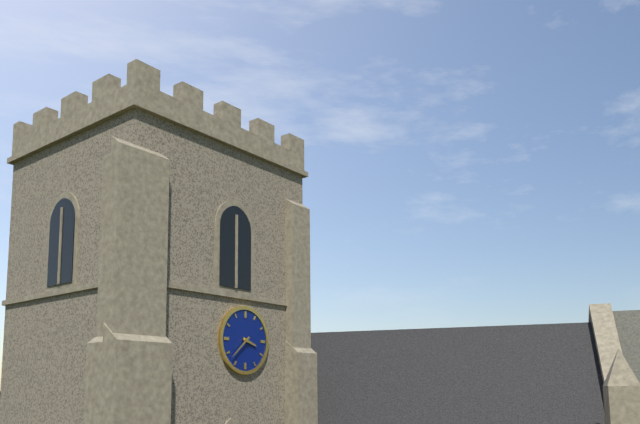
3:38
